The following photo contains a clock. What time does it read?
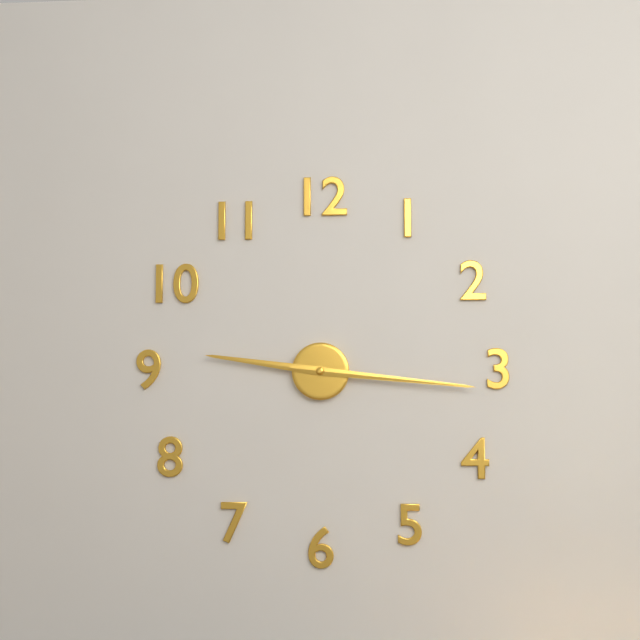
9:16
